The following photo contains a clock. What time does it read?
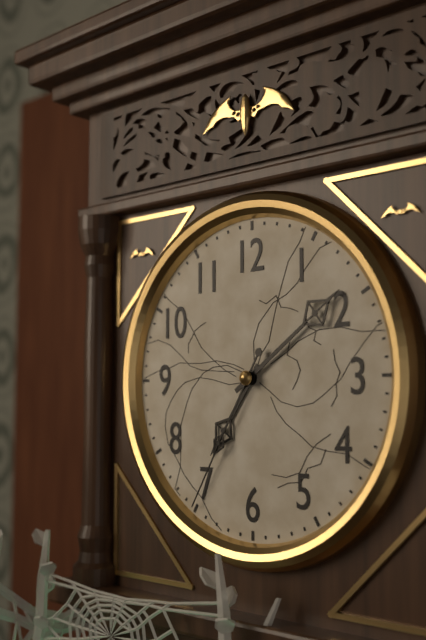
7:09:35
